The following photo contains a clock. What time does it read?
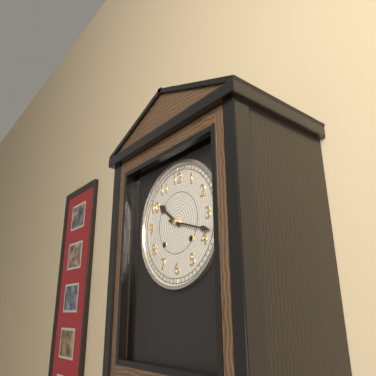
10:18
